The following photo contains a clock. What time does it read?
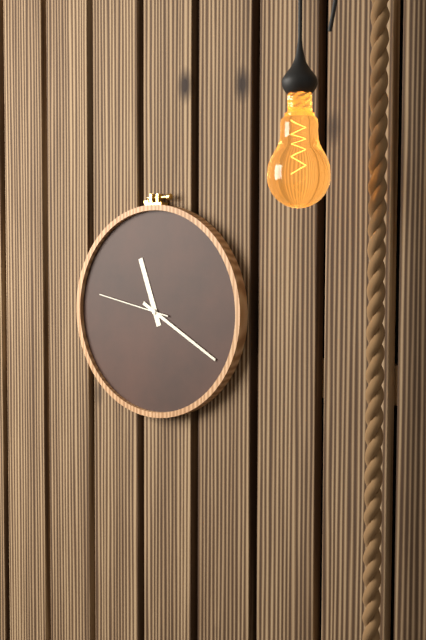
11:20:47
